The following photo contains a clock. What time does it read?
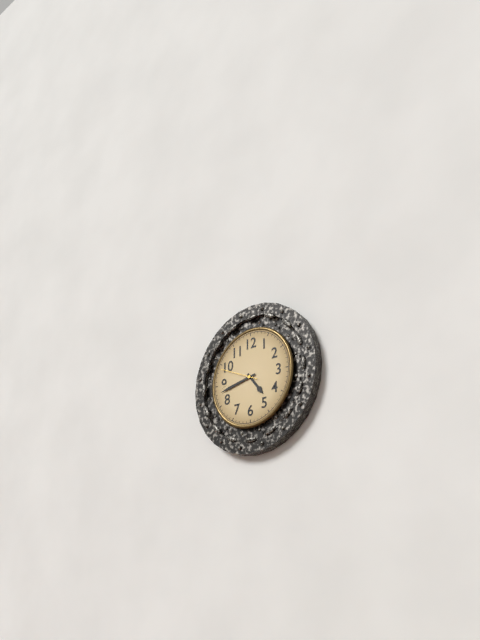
4:43
